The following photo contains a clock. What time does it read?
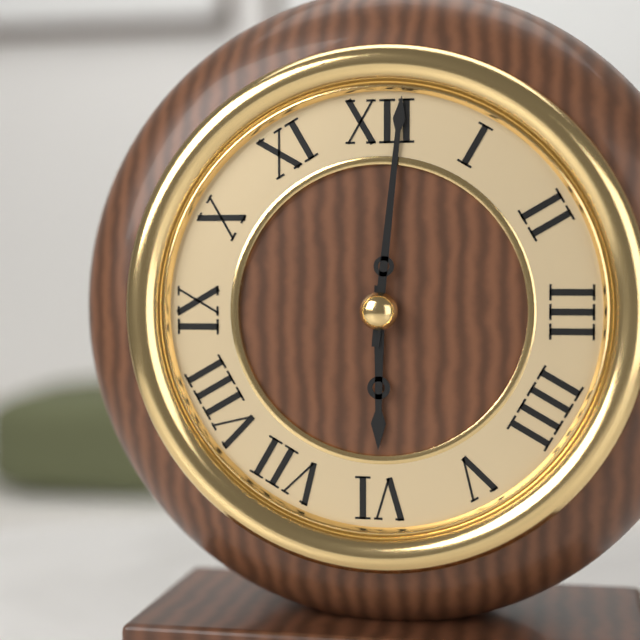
6:01
